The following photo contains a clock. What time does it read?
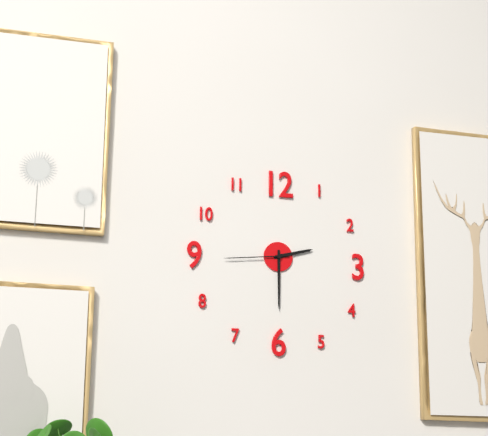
2:30:44
